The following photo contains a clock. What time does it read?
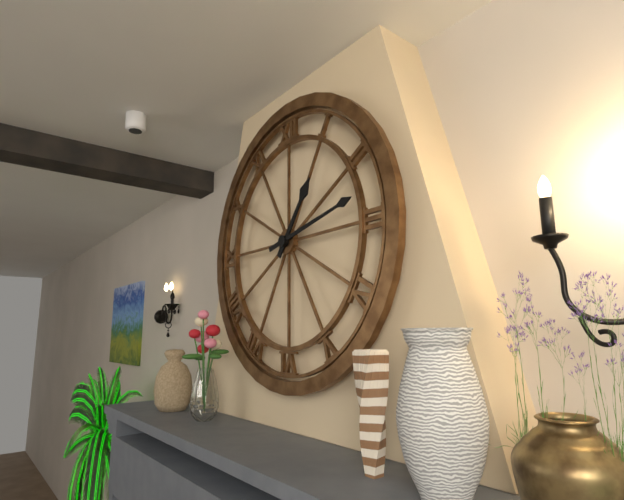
1:13
